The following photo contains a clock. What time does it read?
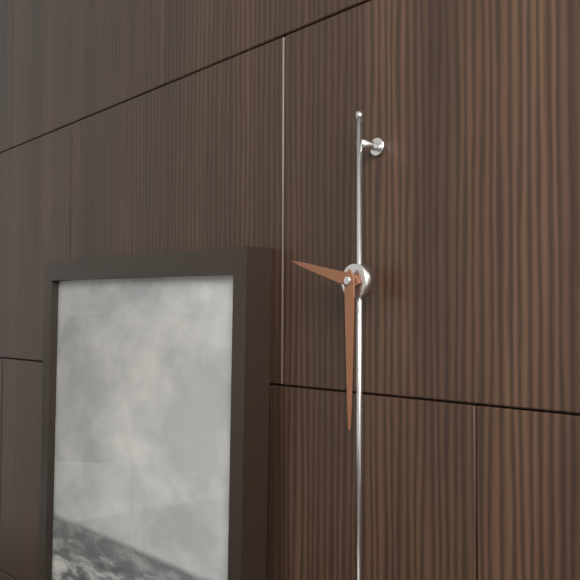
9:30
